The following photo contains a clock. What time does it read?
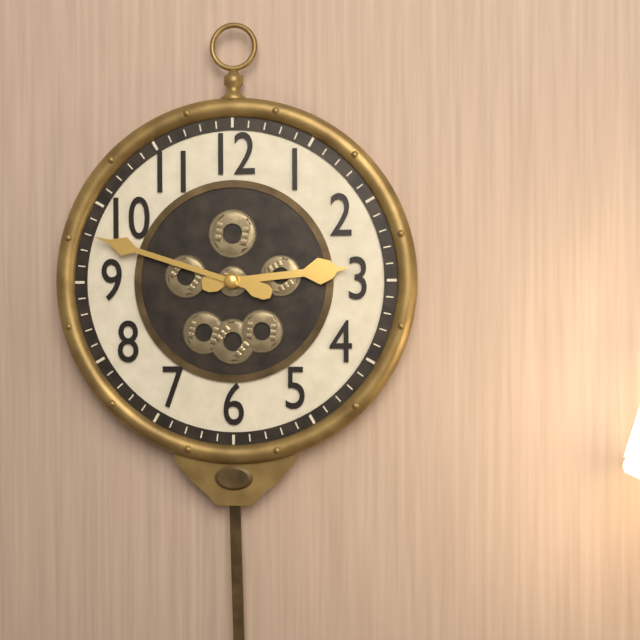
2:48
